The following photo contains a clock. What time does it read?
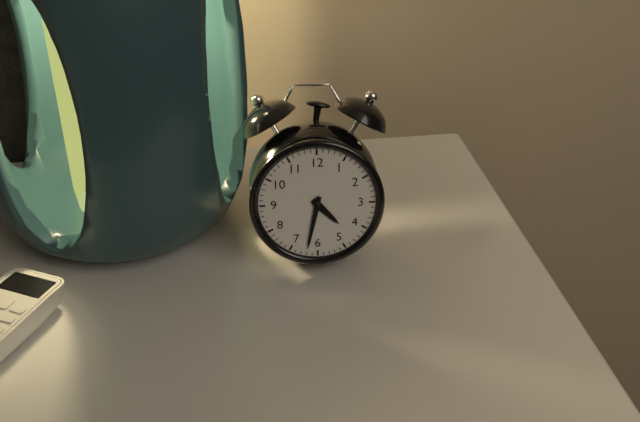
4:32
